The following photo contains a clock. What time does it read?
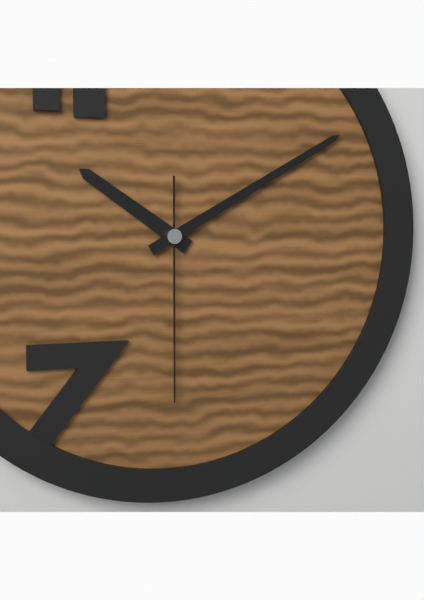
10:10:30
